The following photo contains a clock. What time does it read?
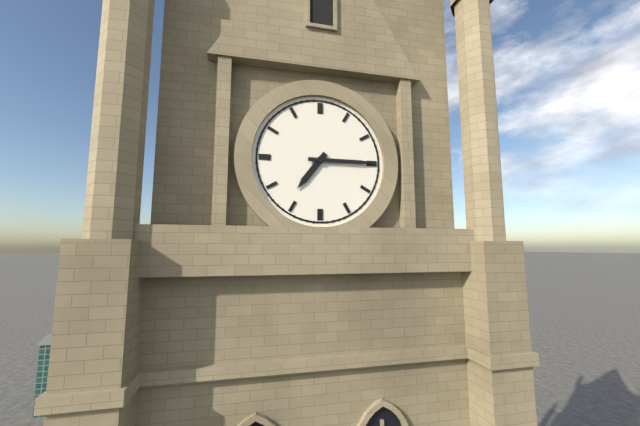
7:15
